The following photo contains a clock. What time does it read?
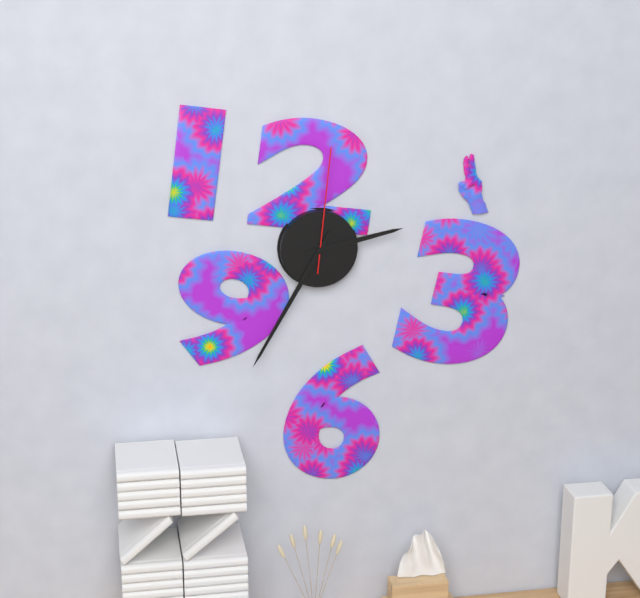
2:35:01
